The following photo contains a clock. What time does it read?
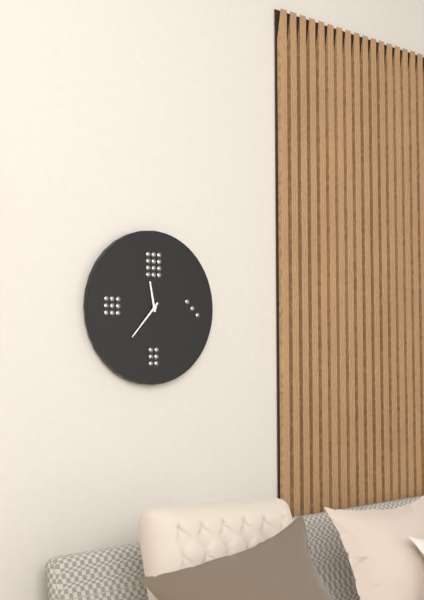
11:37
